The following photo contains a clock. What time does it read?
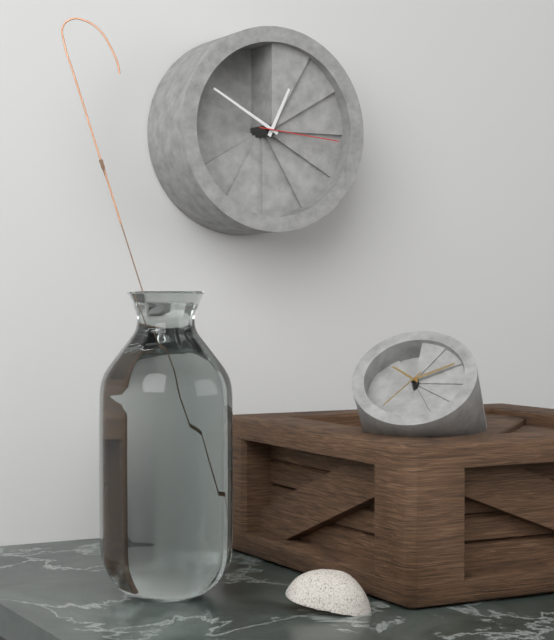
12:50:16
